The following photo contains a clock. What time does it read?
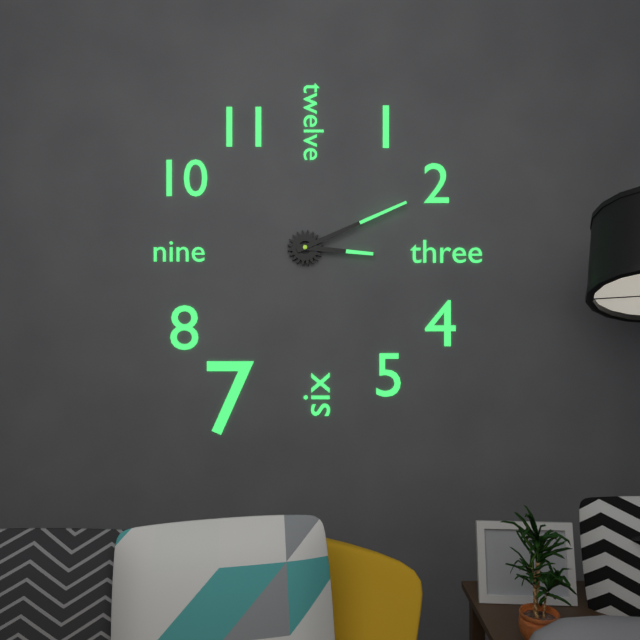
3:11
